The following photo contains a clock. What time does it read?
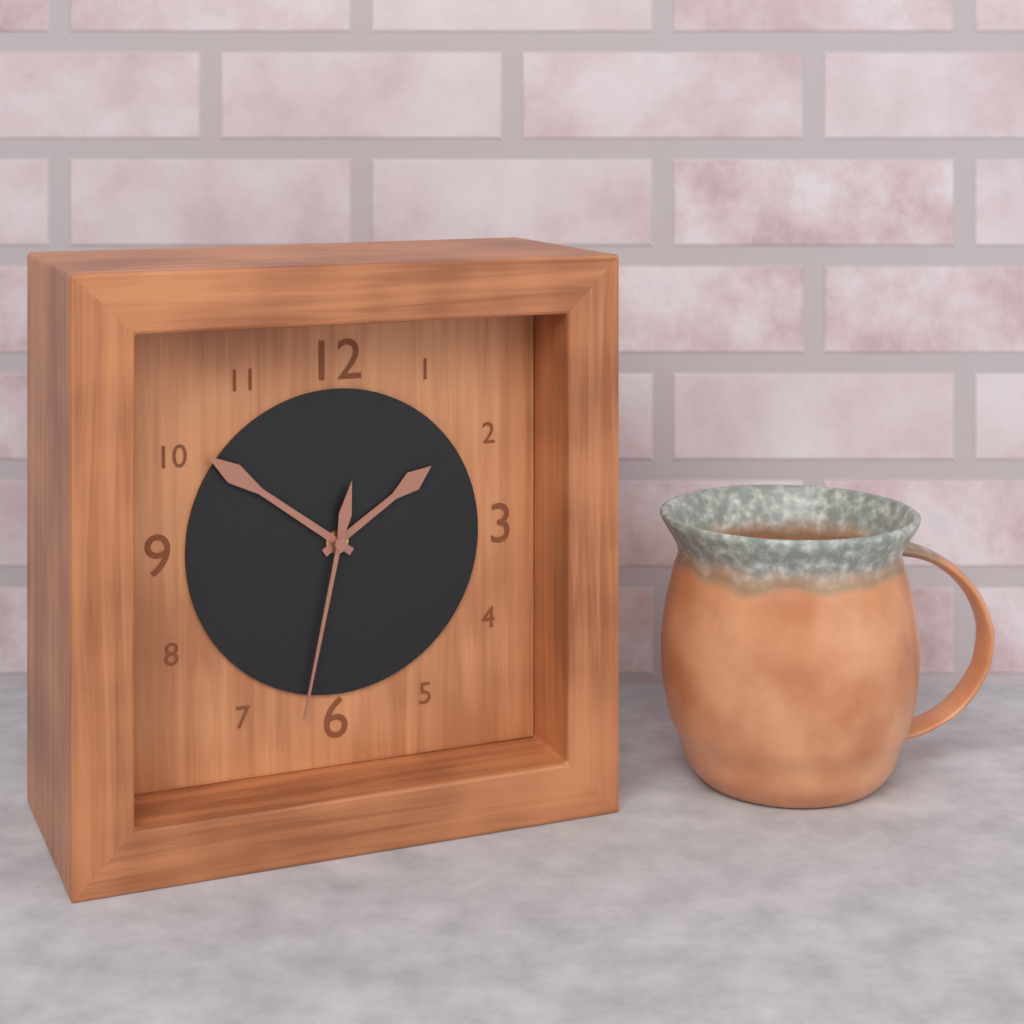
1:51:32
